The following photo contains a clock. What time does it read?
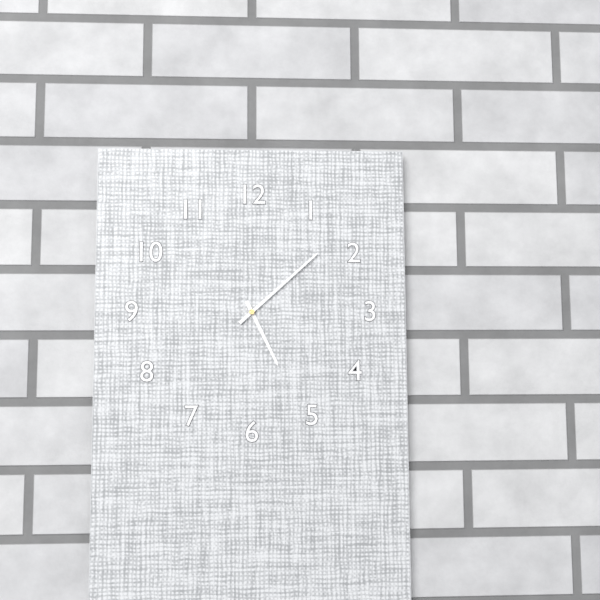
5:08
